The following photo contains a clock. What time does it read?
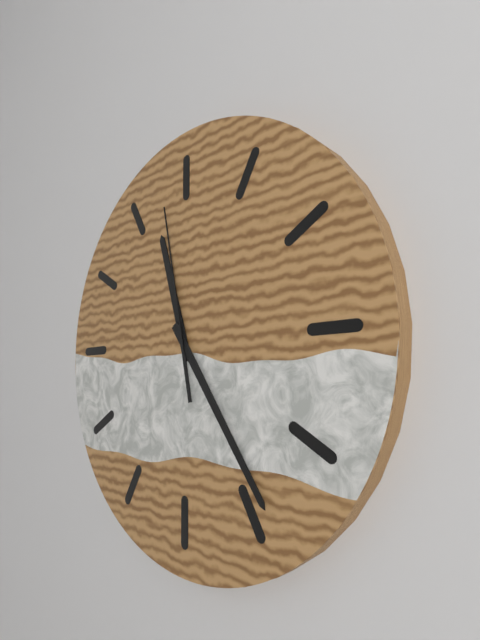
11:24:58
